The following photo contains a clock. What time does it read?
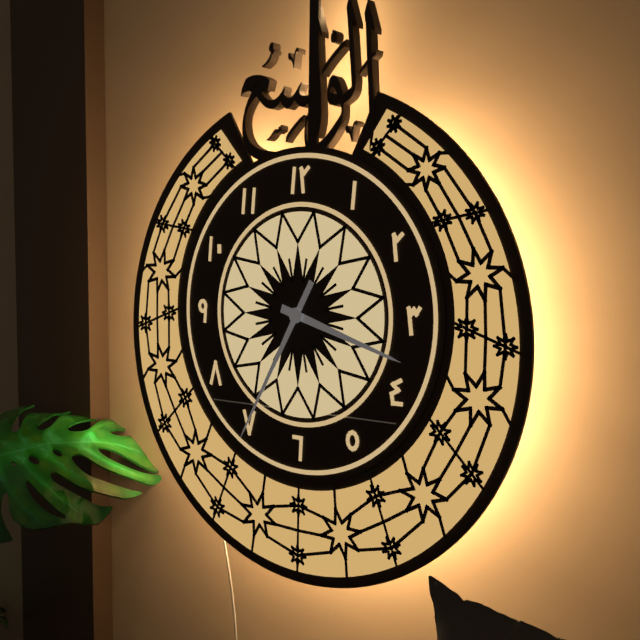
3:35
